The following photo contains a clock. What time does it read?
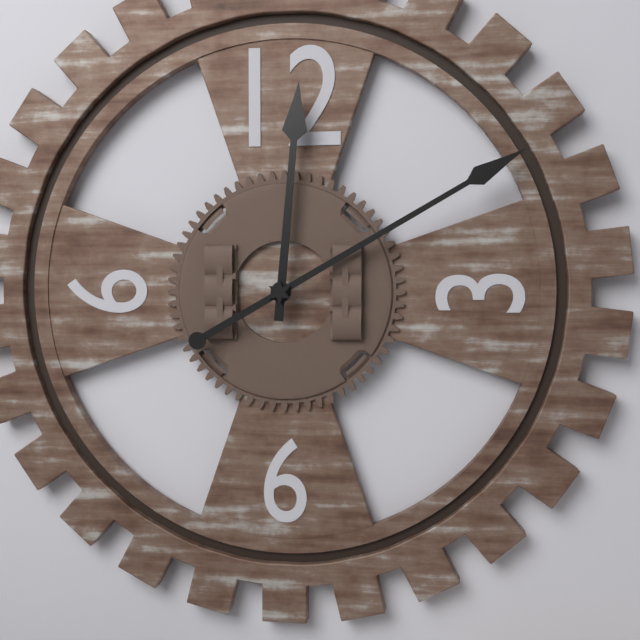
12:10
